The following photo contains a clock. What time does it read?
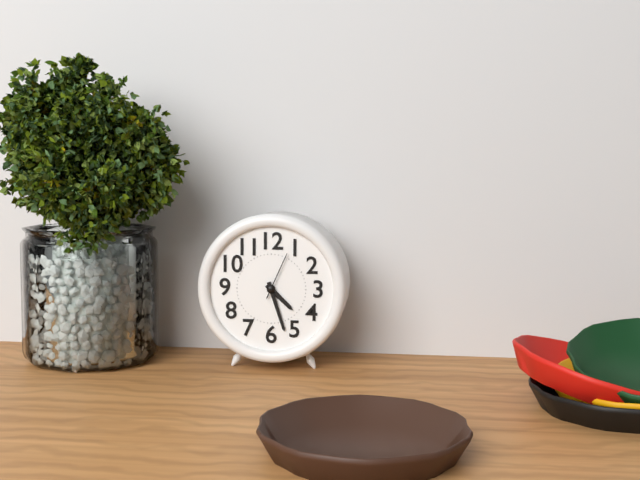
4:27
